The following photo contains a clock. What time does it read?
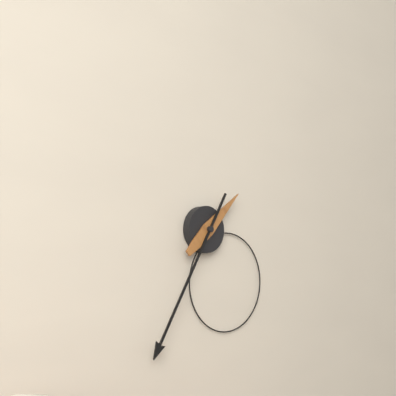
1:35
